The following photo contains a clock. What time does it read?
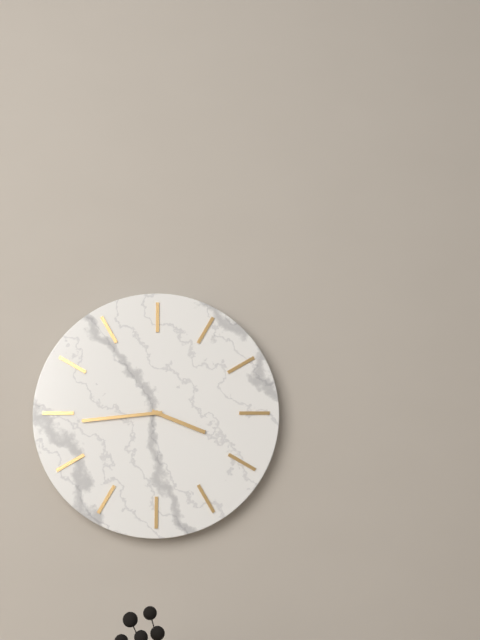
3:44
